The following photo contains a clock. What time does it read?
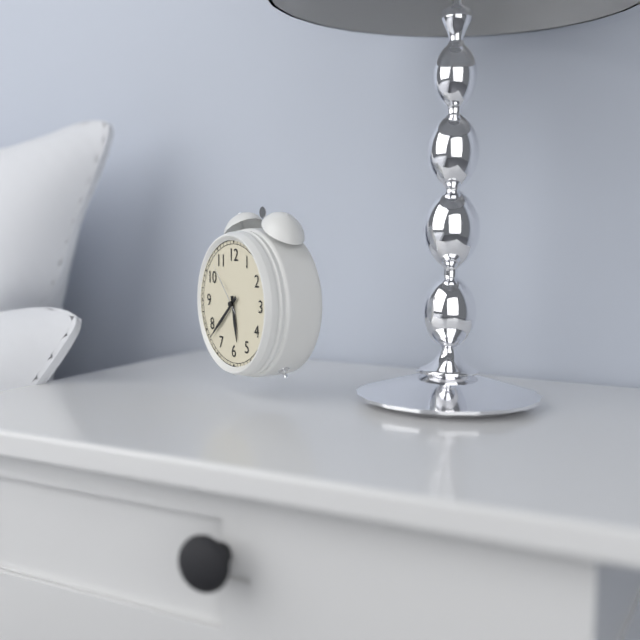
5:38:53
